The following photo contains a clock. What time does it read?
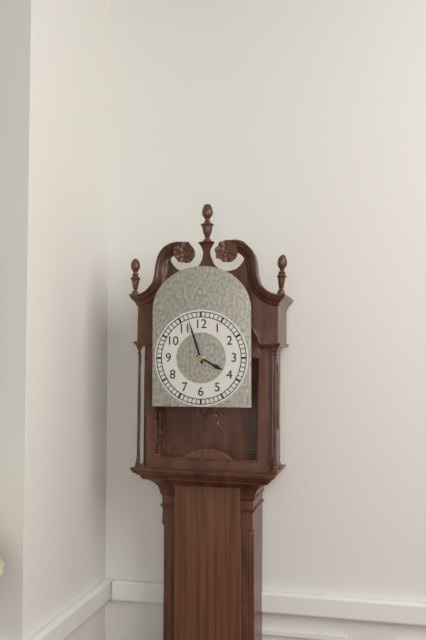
3:57
